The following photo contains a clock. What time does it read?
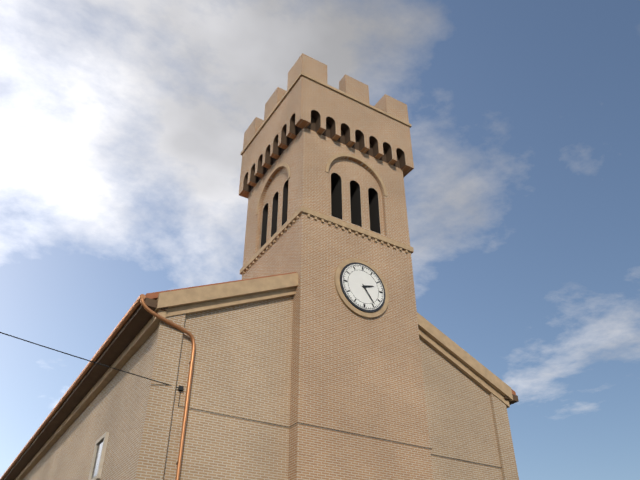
2:24
